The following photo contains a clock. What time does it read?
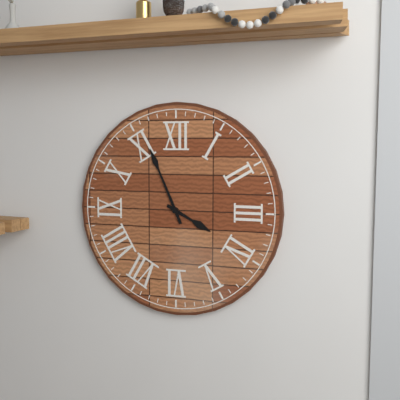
3:56
